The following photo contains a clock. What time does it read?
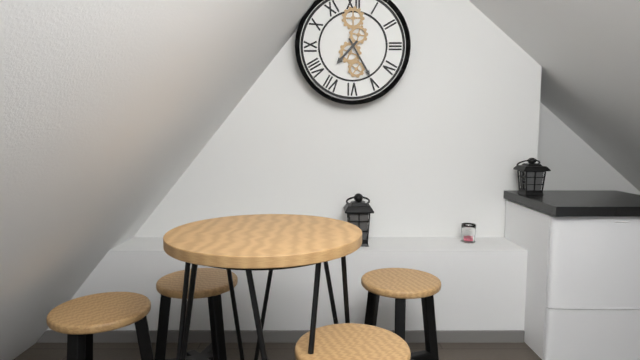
7:25
